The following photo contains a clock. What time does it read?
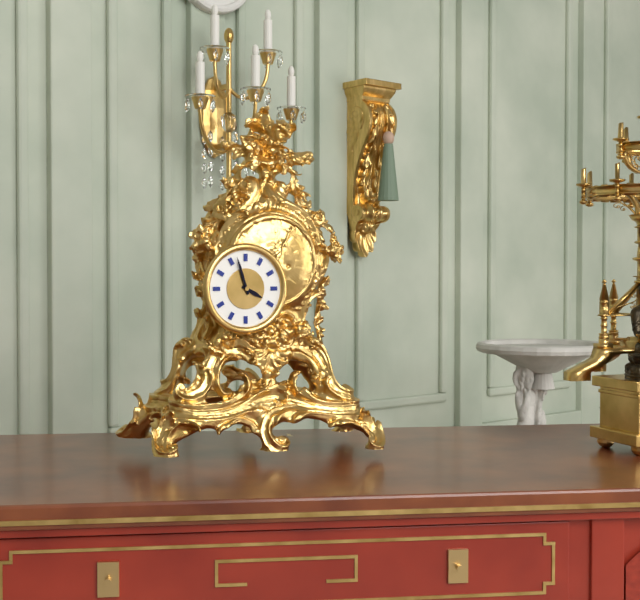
3:57
